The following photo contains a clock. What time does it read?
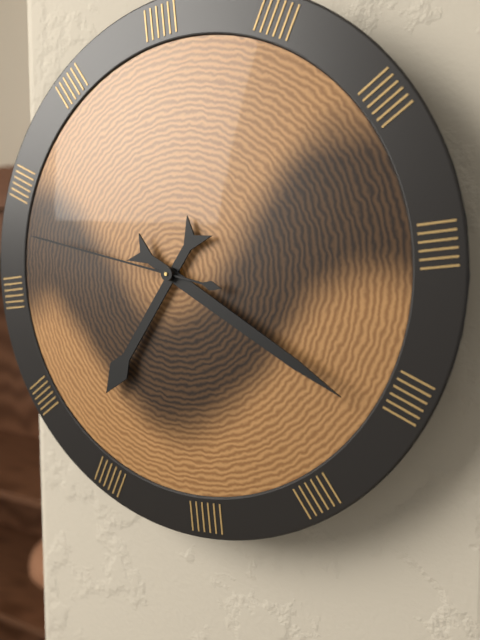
7:21:48
